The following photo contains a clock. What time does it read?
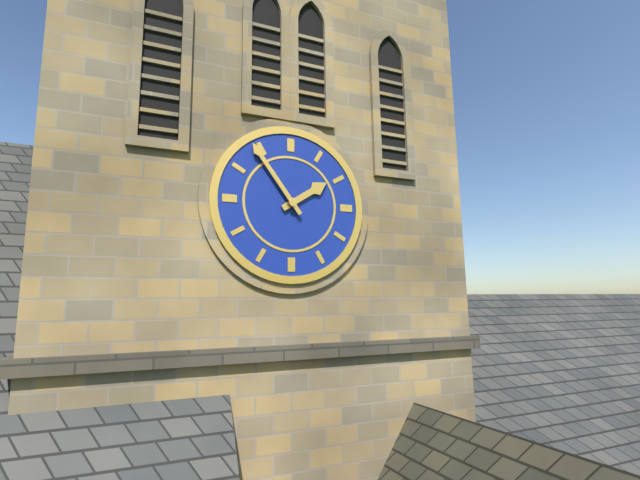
1:54
